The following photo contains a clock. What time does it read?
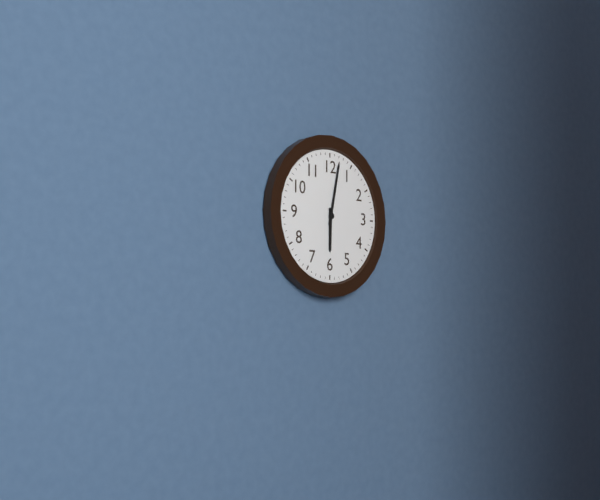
6:02
